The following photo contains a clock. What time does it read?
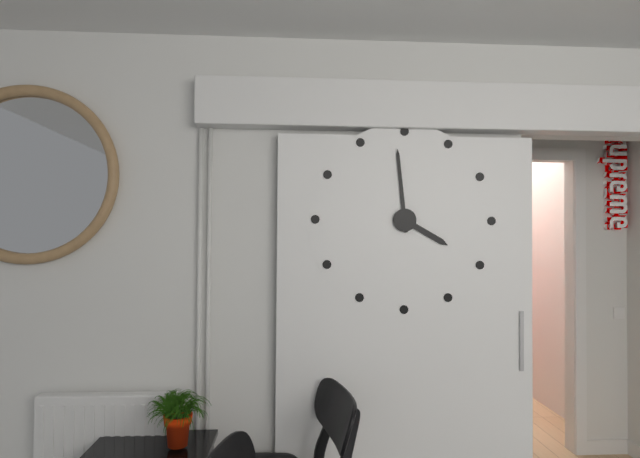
3:59
